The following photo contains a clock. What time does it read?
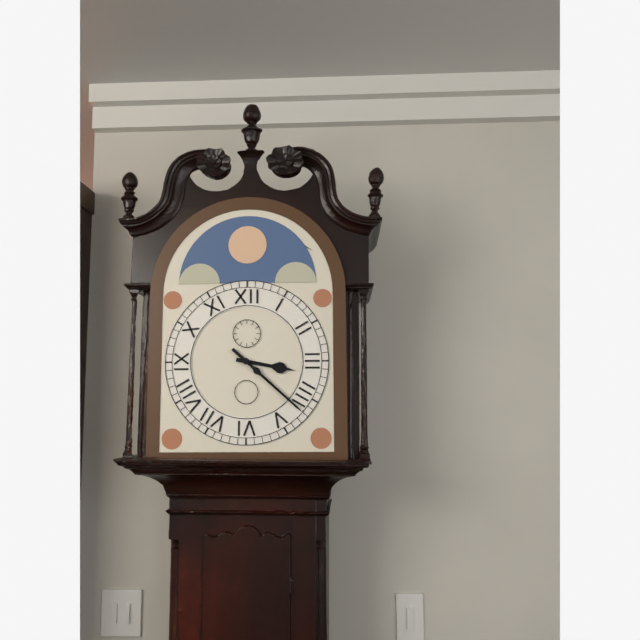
3:22
